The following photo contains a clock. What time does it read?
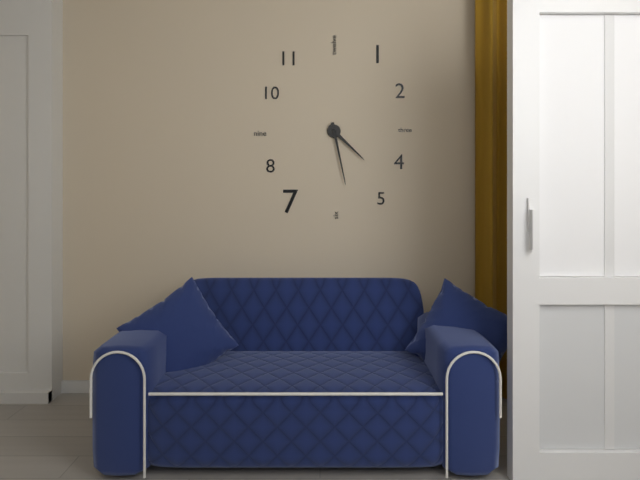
4:28
